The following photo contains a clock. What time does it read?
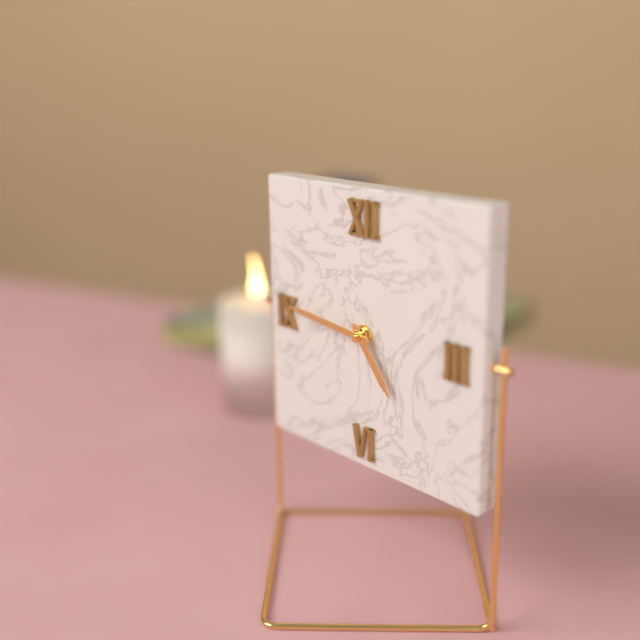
4:46
